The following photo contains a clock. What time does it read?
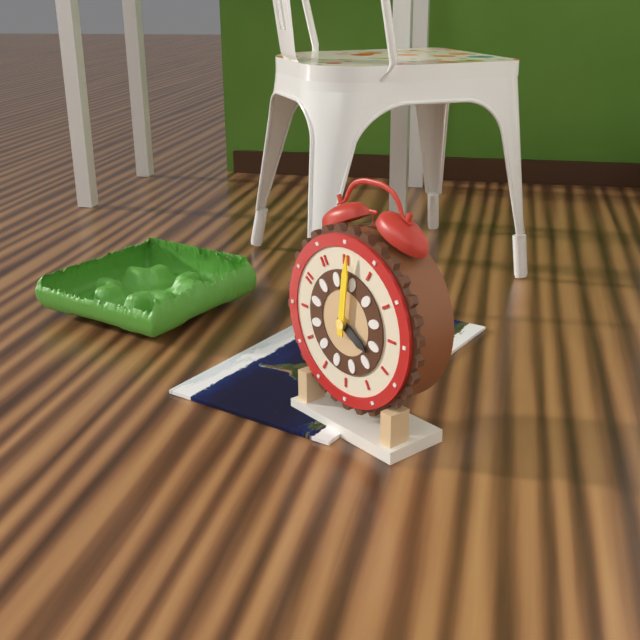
4:01
